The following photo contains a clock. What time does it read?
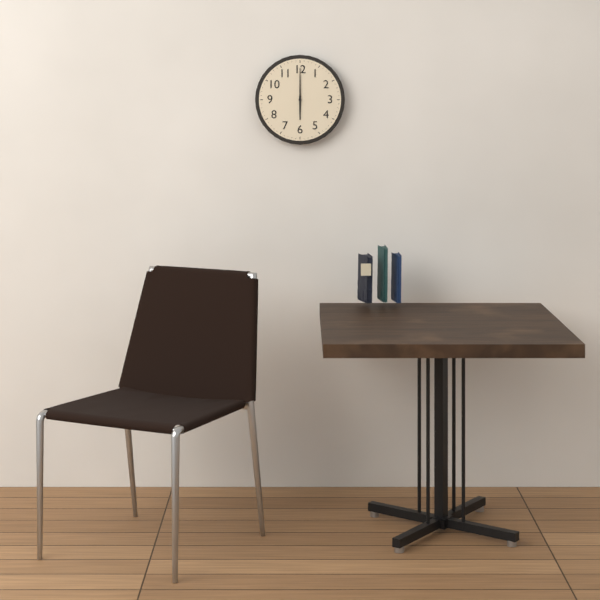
6:00
